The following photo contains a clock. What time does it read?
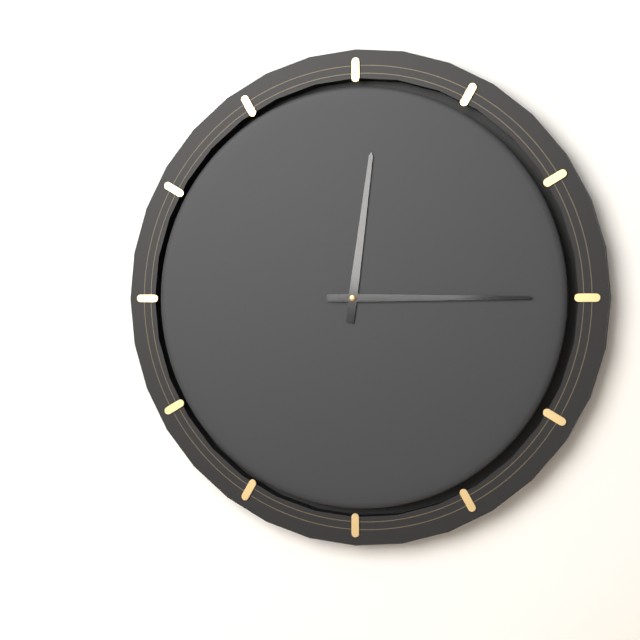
12:15
